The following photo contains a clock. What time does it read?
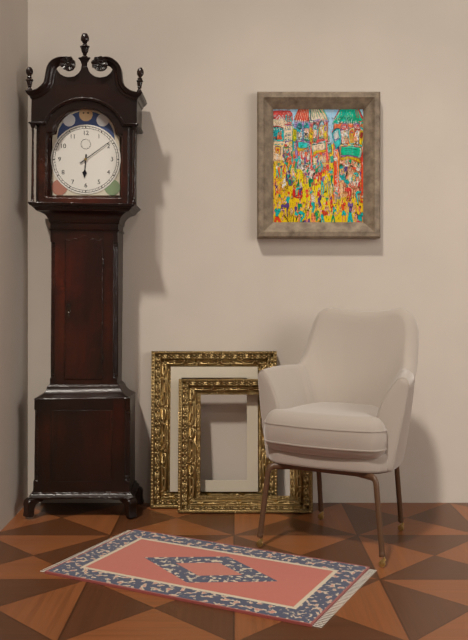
6:09
